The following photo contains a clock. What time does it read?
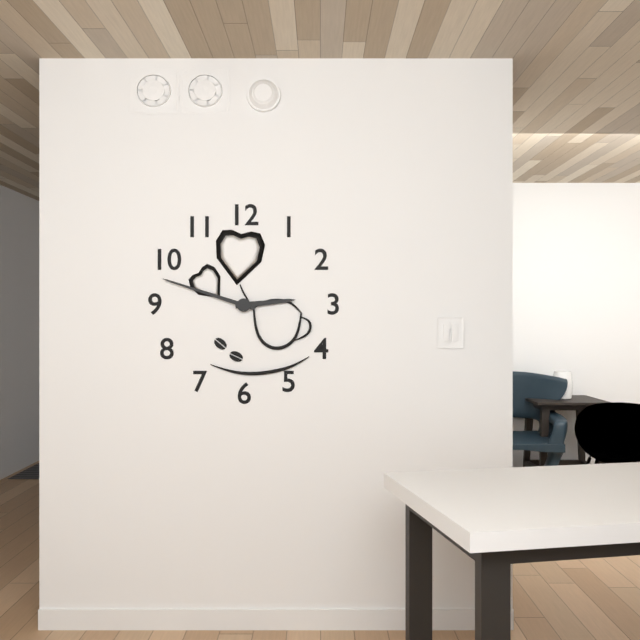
2:48
